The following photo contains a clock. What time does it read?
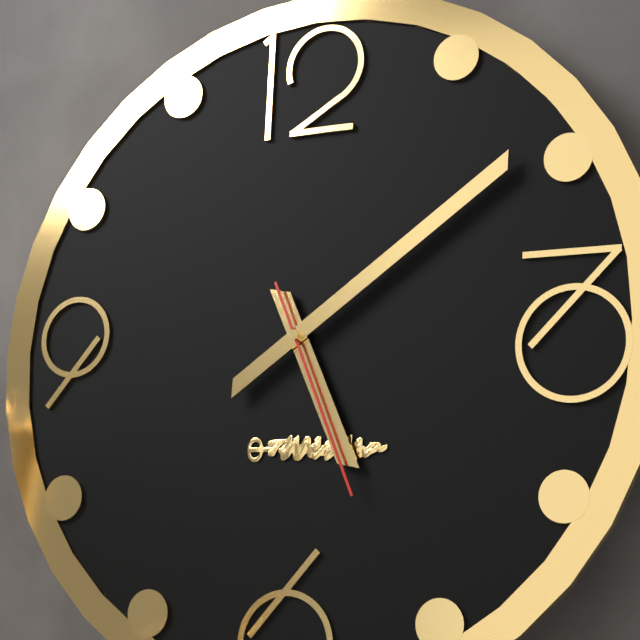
5:09:26
